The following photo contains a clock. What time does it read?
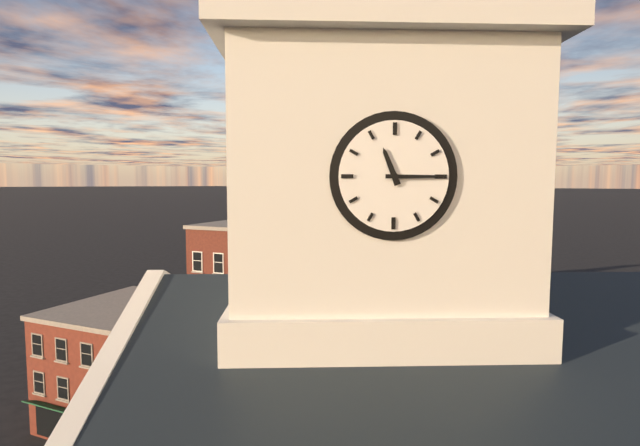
11:15
